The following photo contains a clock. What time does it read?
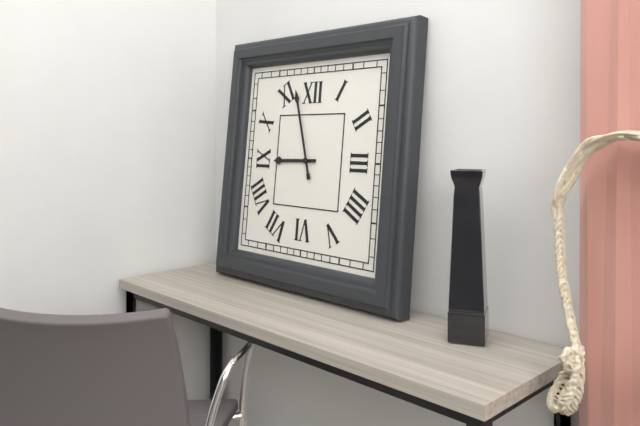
8:57
